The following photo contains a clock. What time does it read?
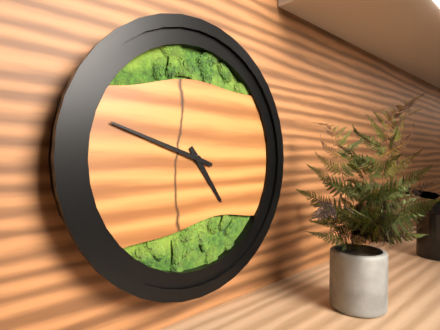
4:48
